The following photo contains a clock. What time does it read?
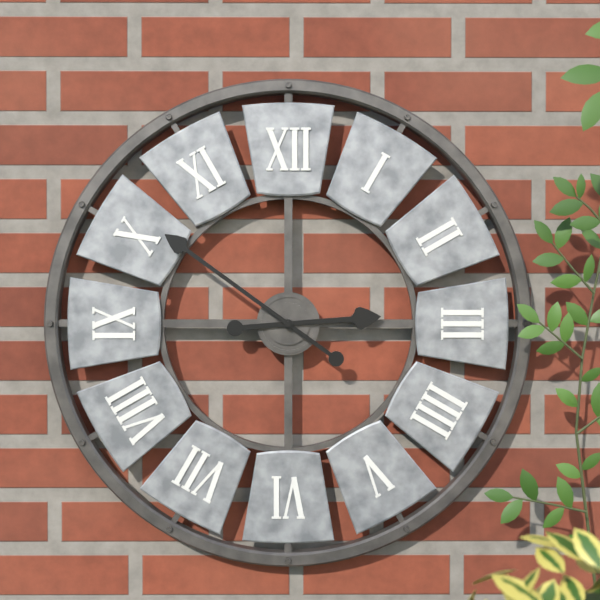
2:51
